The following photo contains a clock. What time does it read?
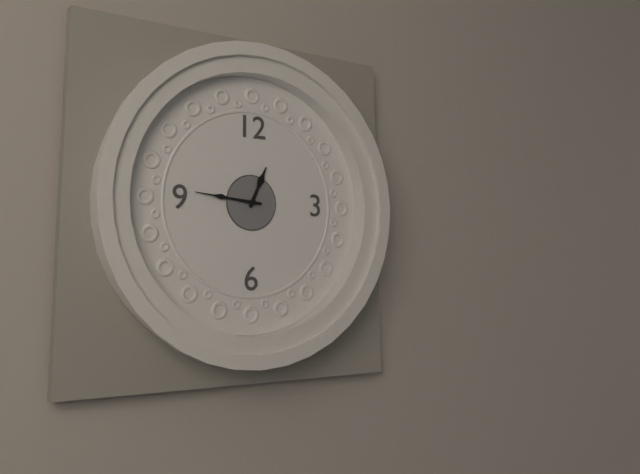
12:46
